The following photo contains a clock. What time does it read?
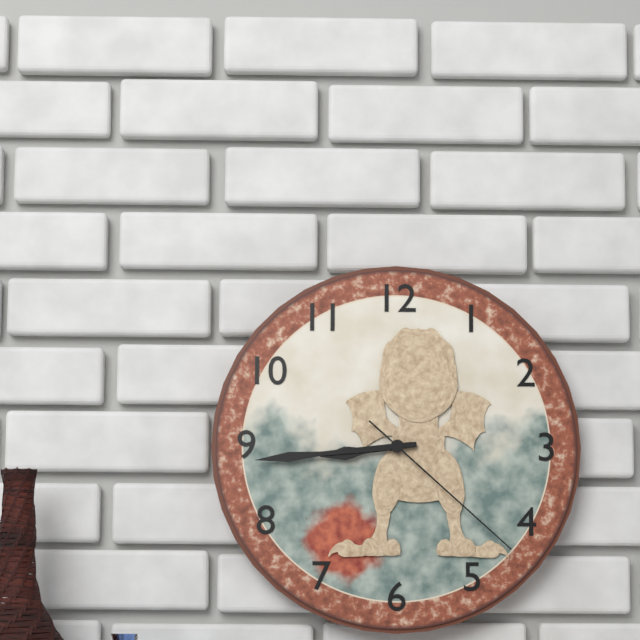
8:44:22
